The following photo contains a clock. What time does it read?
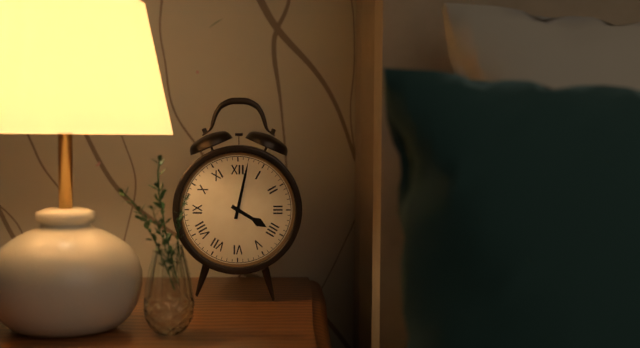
4:02
